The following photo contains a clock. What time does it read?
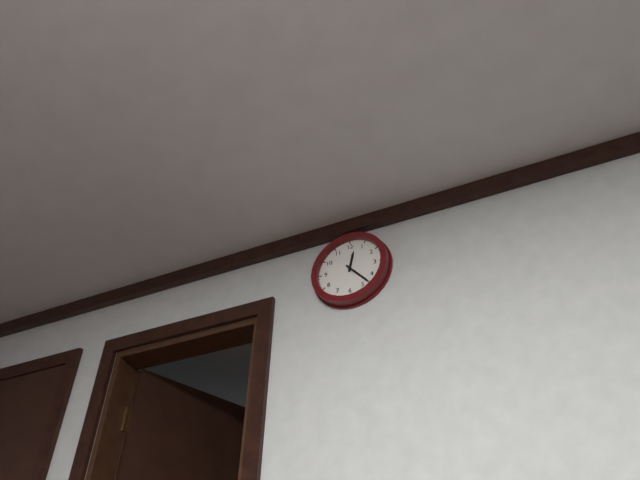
12:23
